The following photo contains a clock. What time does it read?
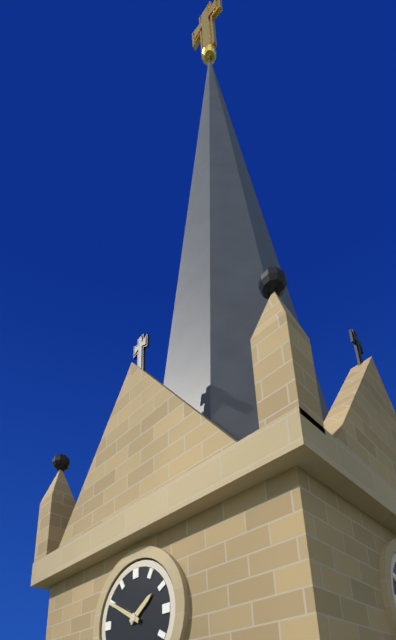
1:50
